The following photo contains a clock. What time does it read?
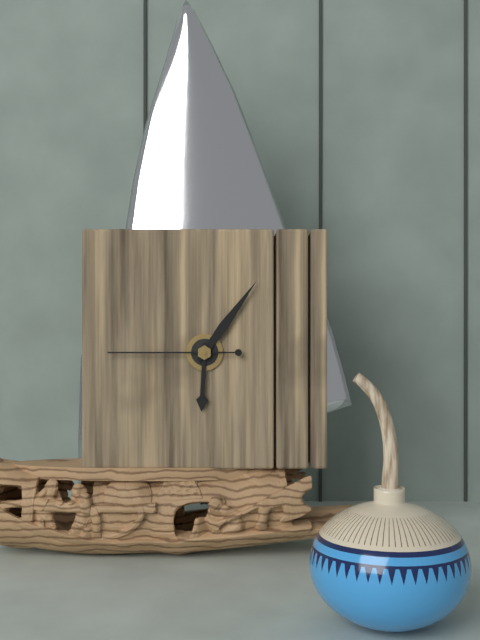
6:06:45
